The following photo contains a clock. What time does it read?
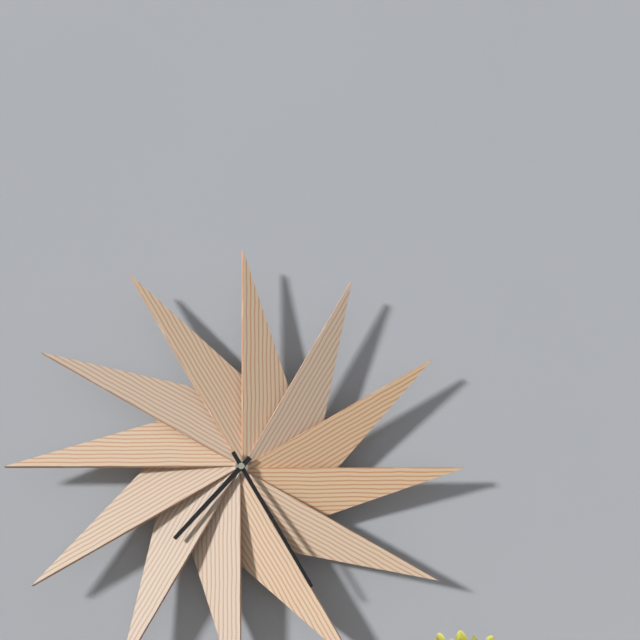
7:25
